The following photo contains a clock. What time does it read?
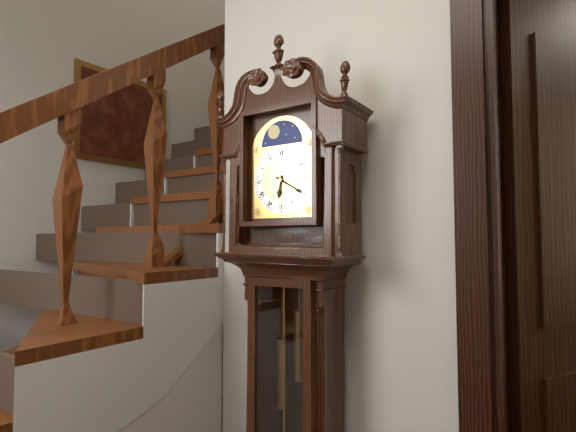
6:20
